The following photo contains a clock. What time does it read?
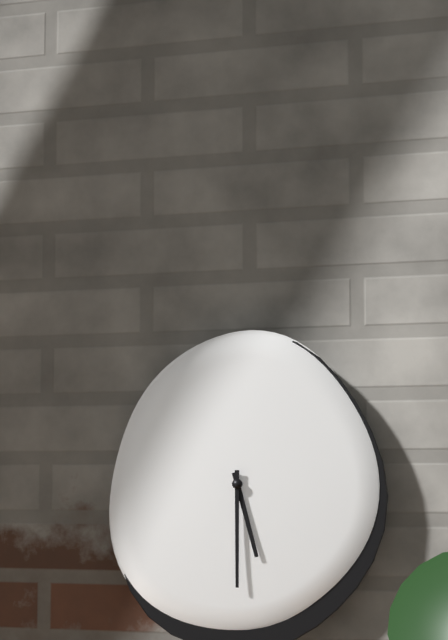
5:30
